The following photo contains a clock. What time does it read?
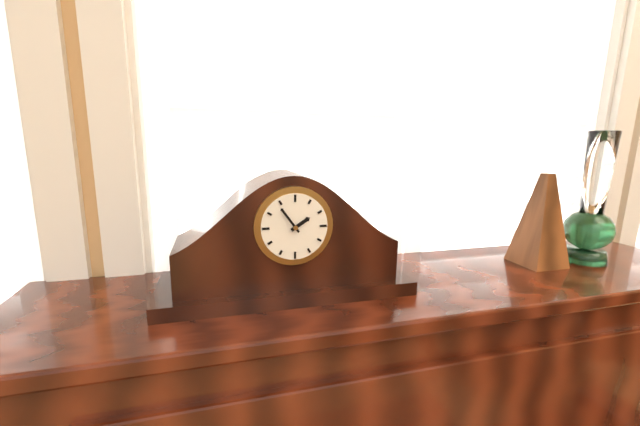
1:54
